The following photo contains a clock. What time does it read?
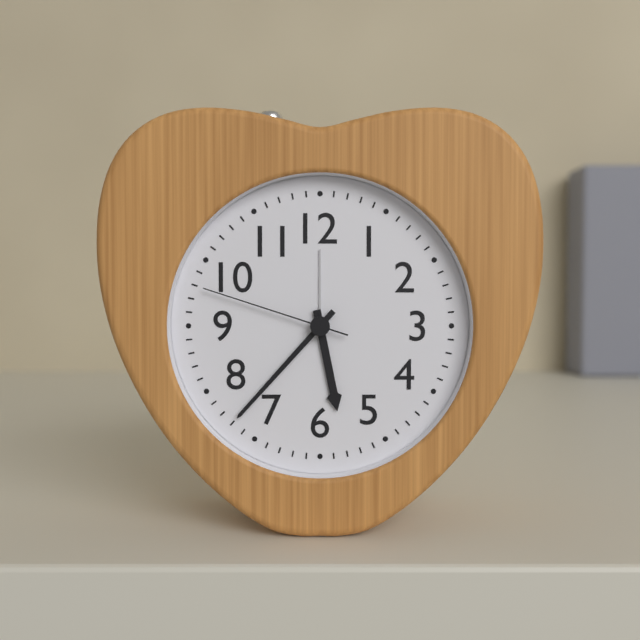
5:37:48
